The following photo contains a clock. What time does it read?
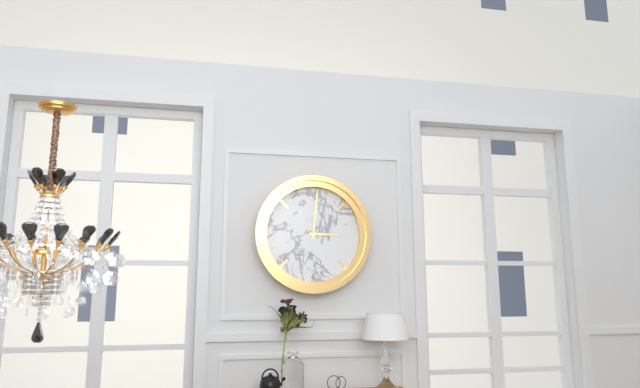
3:01
